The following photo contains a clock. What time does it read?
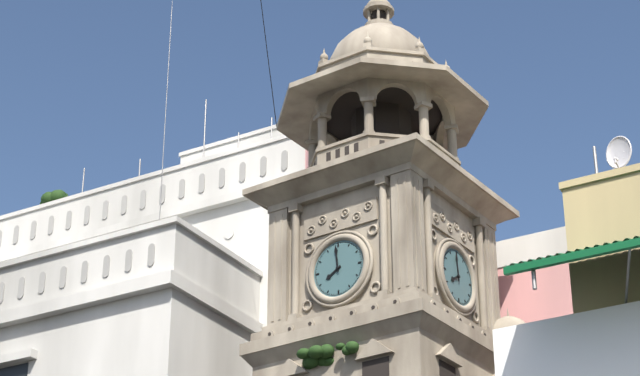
7:59
